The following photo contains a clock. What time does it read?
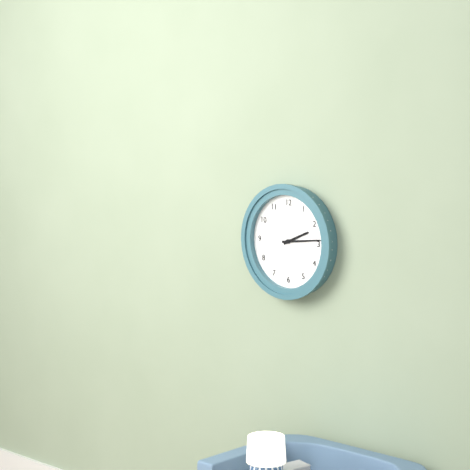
2:14
